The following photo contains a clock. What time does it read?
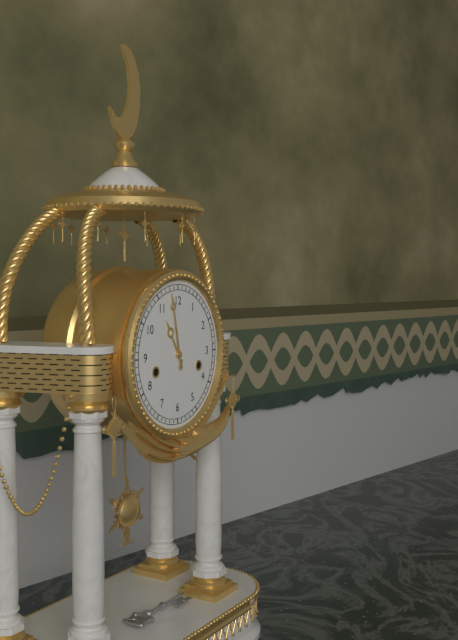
10:58
